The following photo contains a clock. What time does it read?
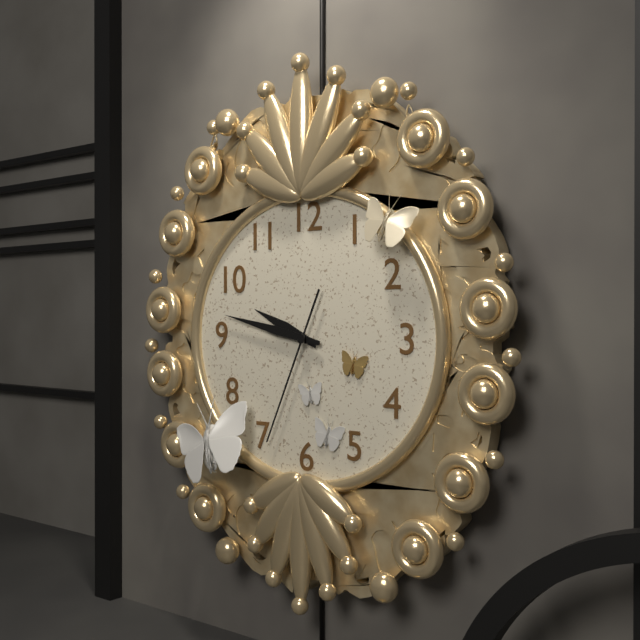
9:47:34
